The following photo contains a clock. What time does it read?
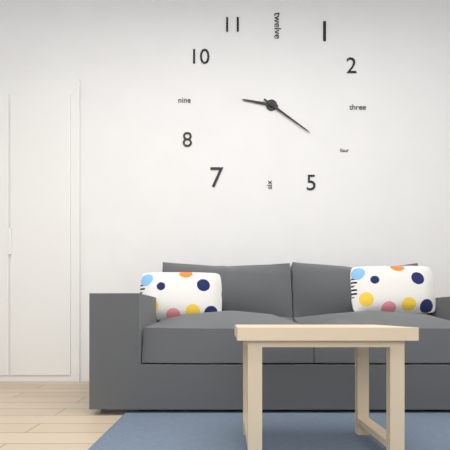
9:21
